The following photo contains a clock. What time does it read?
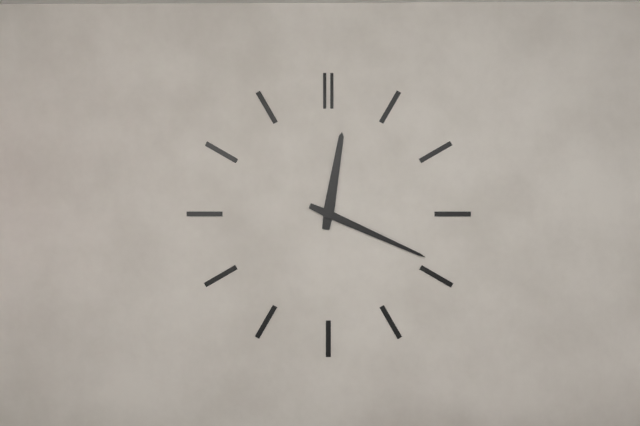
12:19
